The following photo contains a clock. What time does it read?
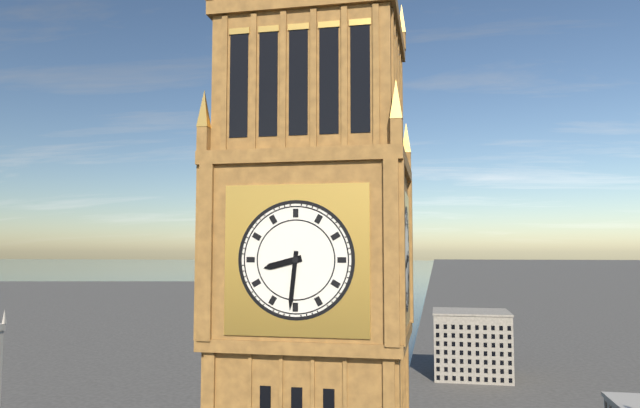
8:31
